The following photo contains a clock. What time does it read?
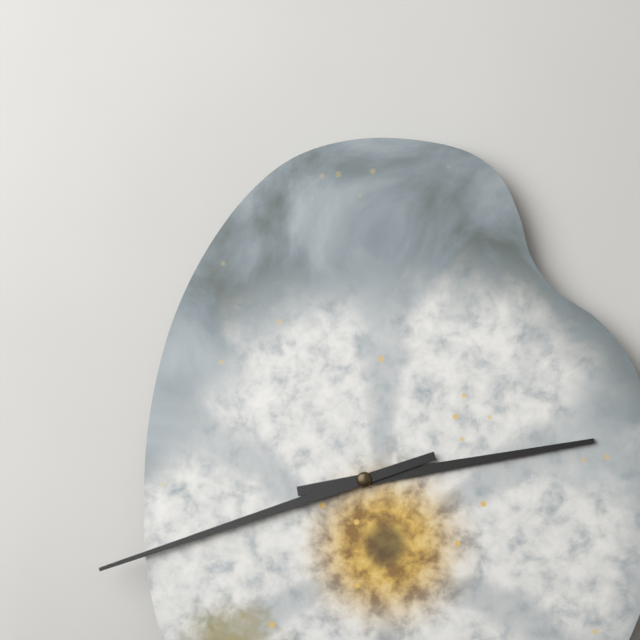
2:42
